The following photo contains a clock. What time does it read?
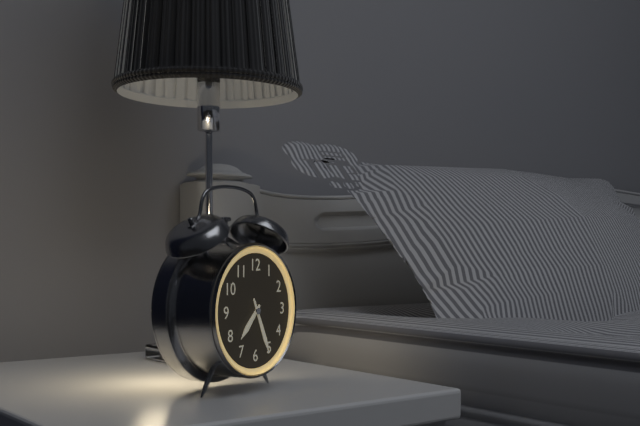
7:26
